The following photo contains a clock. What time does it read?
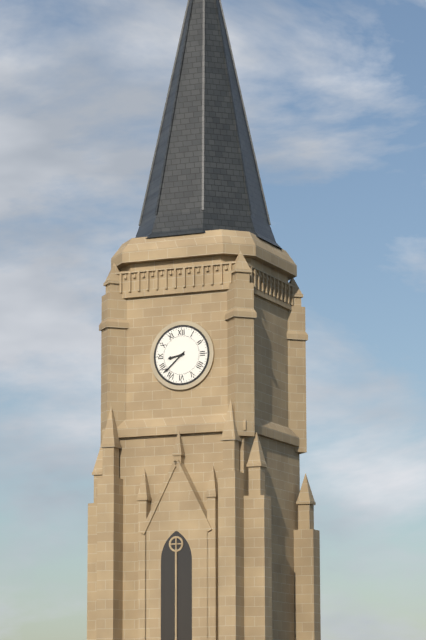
8:38
